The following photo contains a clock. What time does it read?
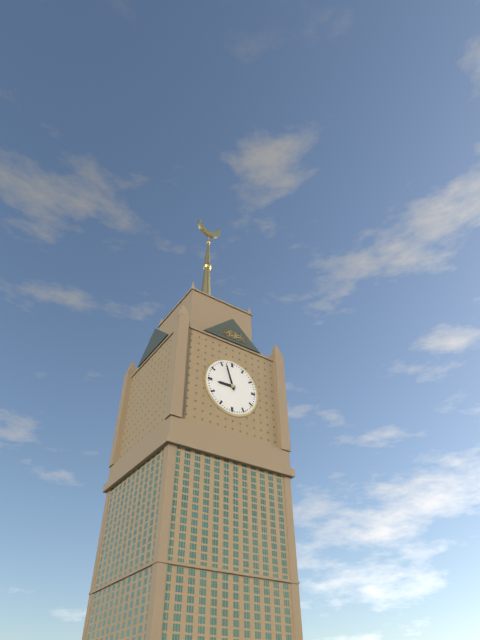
8:57
